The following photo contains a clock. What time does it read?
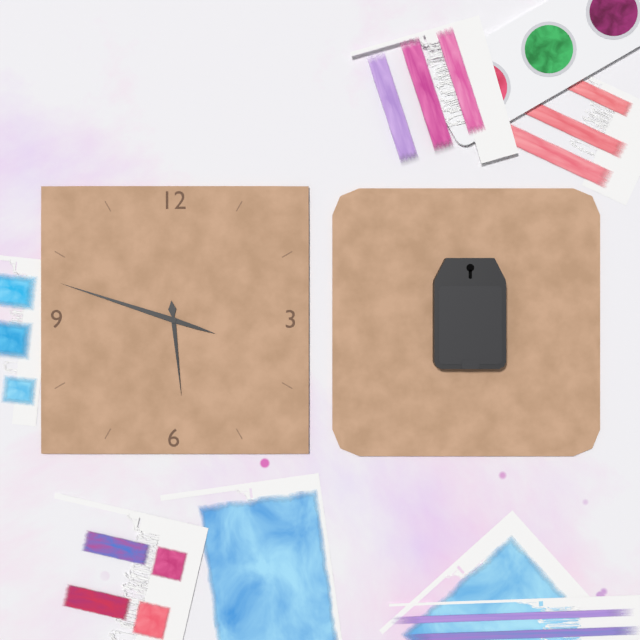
5:48
